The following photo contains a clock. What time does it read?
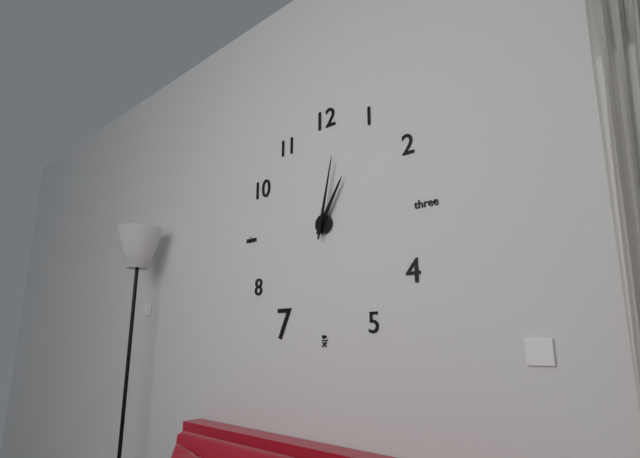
1:02
